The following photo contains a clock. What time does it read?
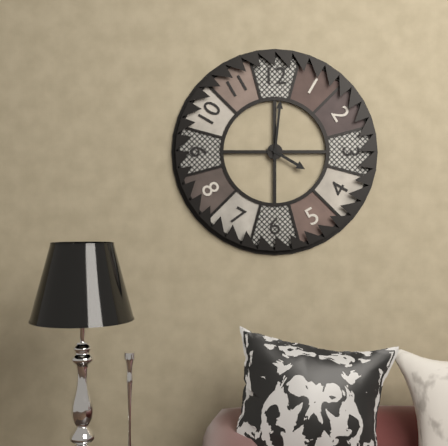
4:01
